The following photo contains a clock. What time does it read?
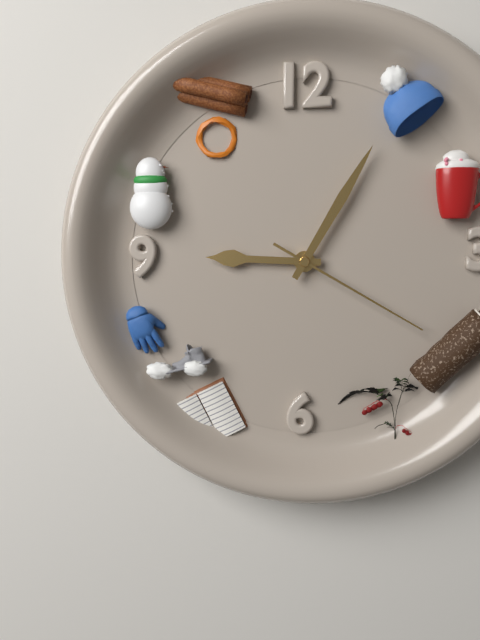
9:05:20
